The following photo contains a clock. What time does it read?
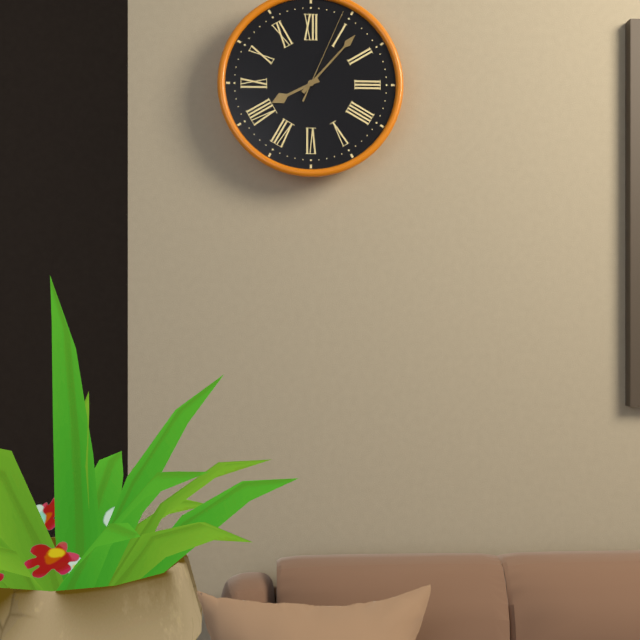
8:07:04
